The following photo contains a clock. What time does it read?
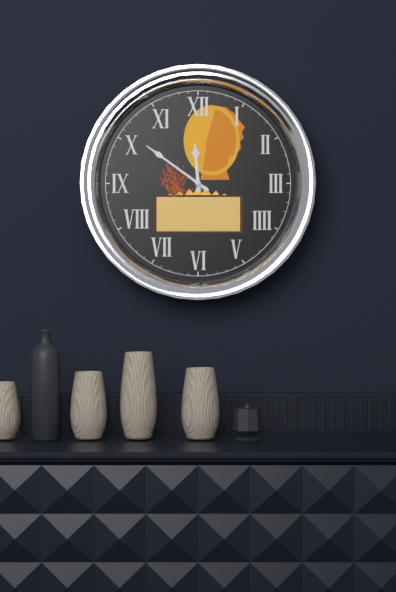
11:51
